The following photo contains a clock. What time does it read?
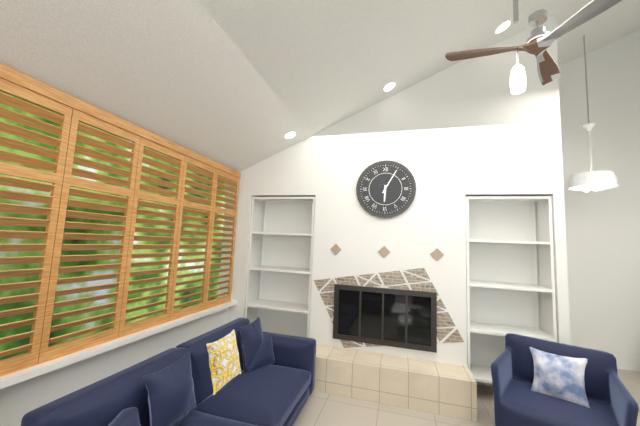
6:05
